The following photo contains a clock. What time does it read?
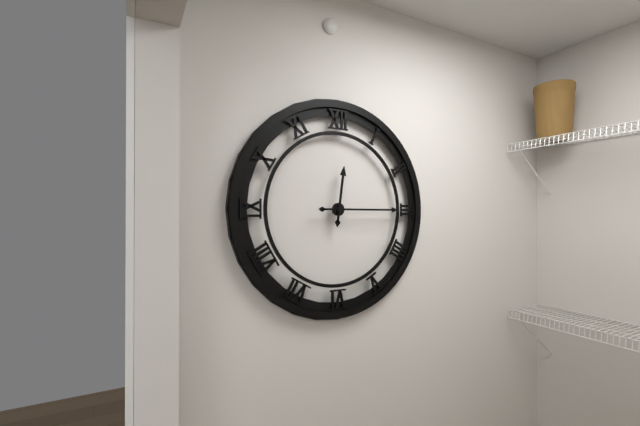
12:15
